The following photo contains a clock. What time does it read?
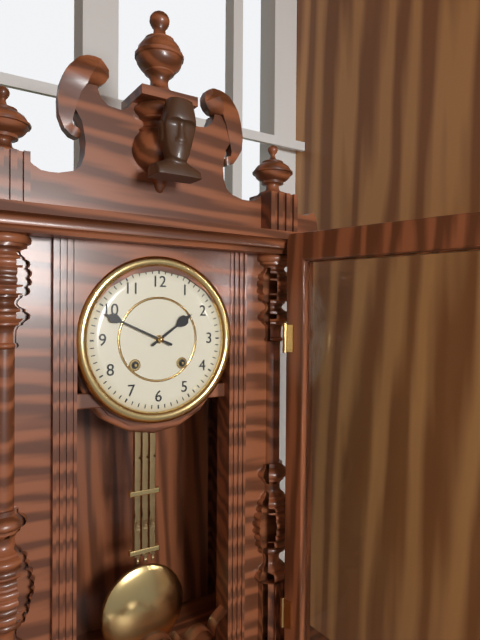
1:49
